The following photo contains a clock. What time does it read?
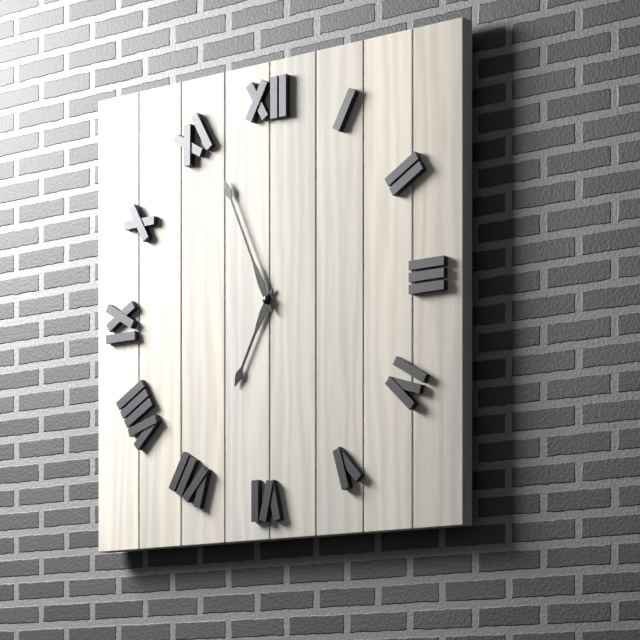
6:56
